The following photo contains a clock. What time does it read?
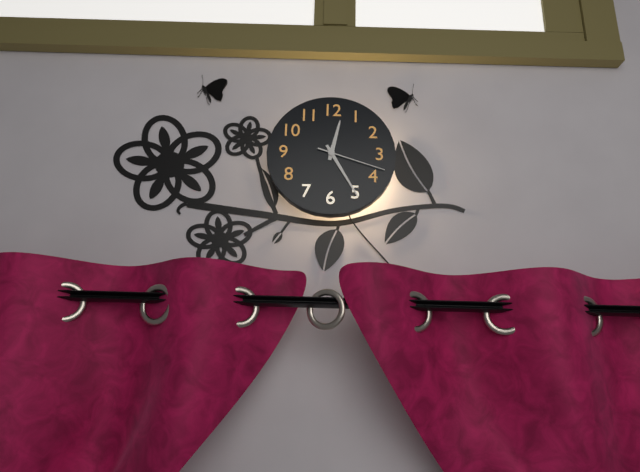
12:25:18
